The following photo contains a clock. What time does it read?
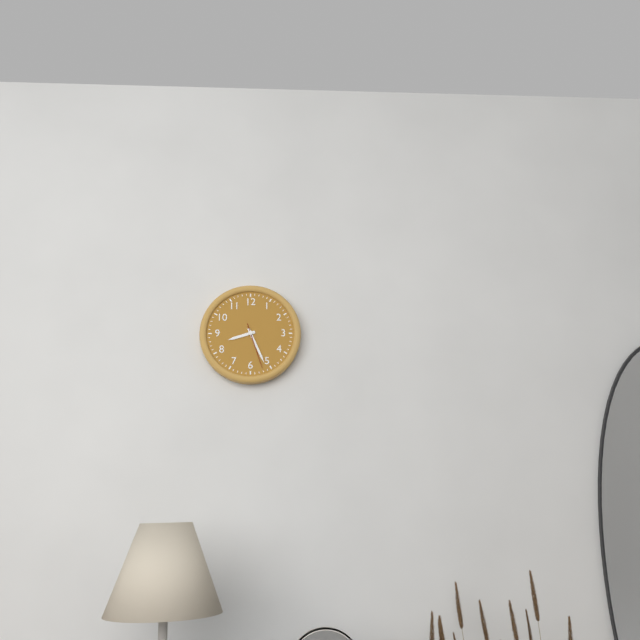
8:26
